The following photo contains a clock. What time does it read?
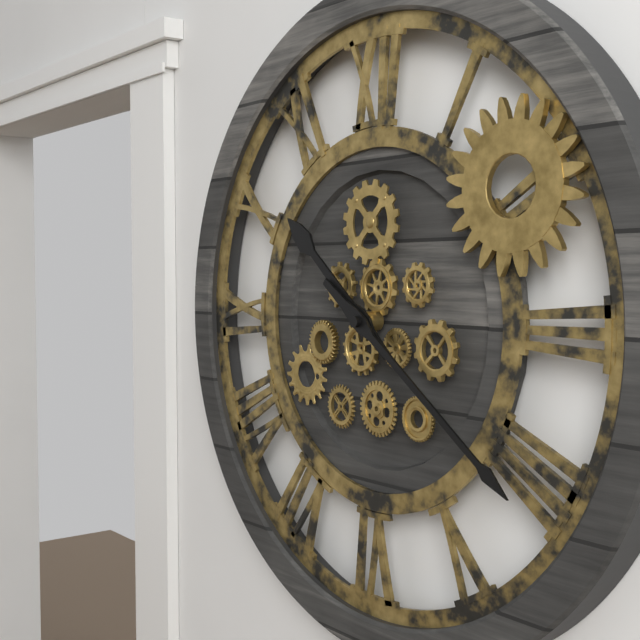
10:21
